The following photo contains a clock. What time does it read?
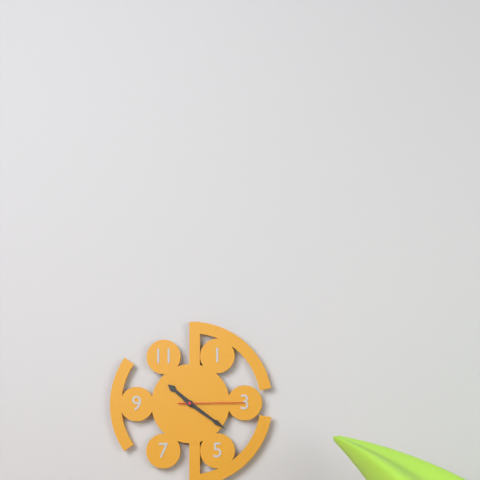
10:21:15
